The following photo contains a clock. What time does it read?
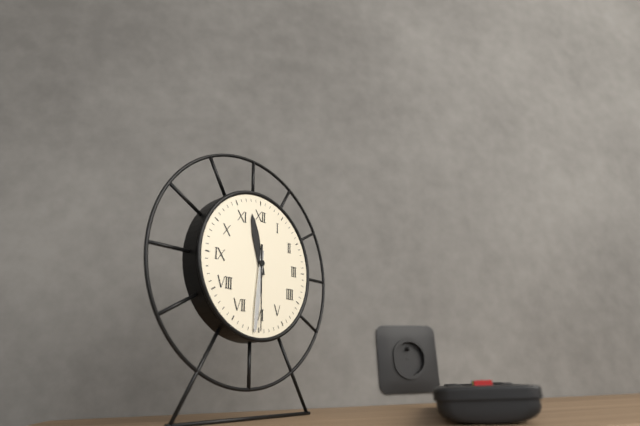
11:31:30
